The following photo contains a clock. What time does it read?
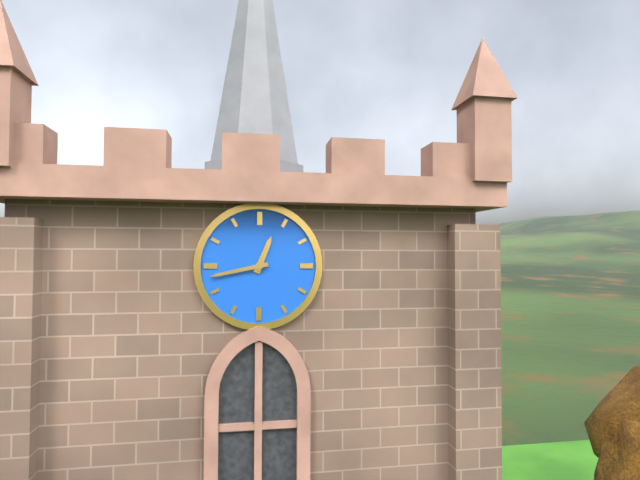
12:43
